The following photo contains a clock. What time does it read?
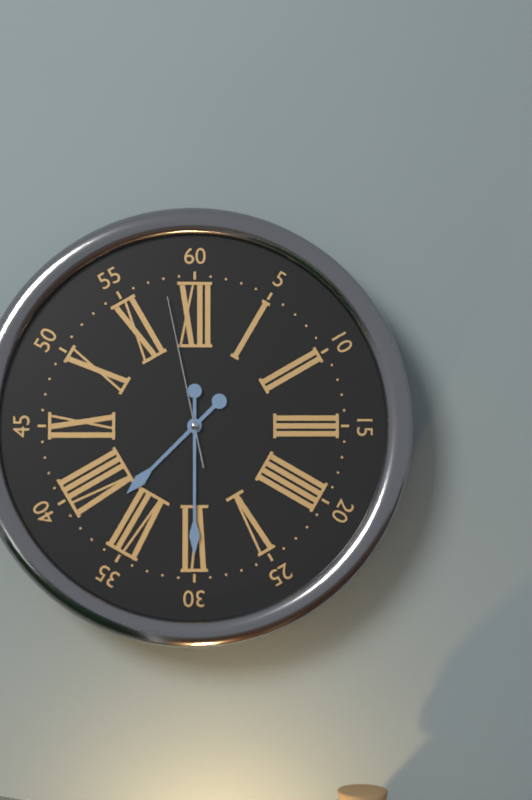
7:30:58
